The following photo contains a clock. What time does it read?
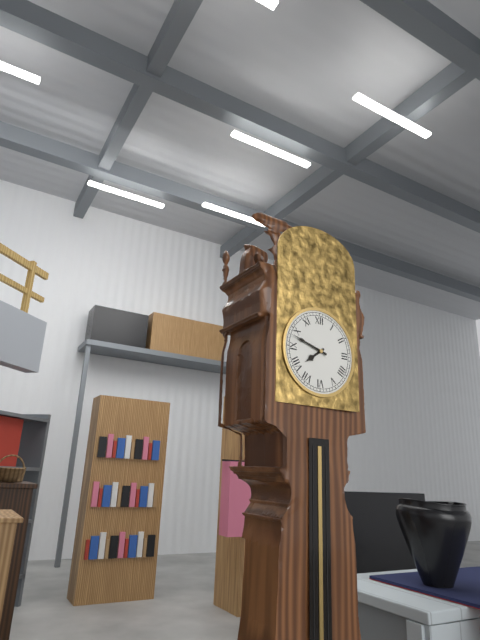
7:48
